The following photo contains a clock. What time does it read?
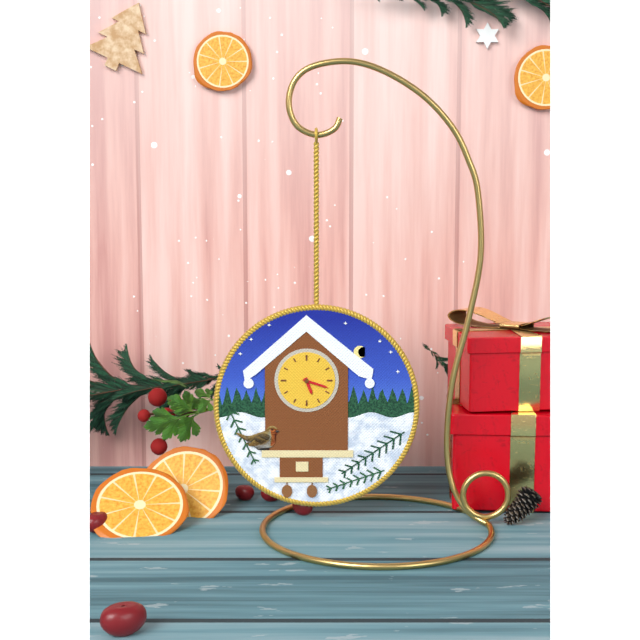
5:18
